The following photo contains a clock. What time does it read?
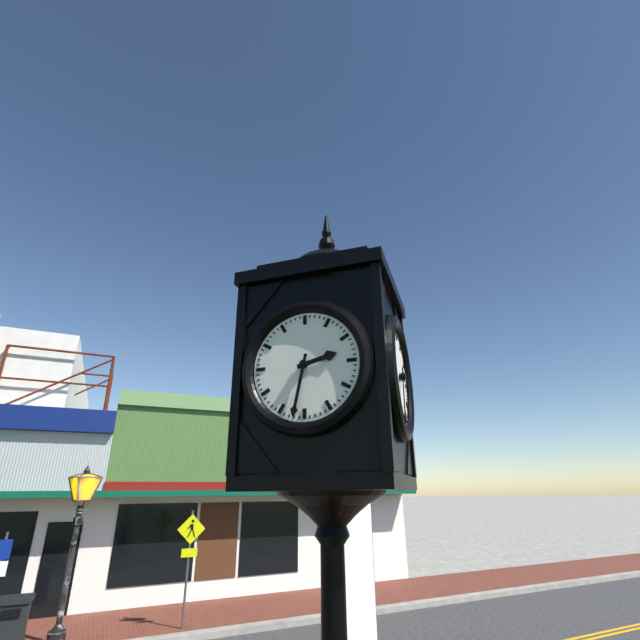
2:32
